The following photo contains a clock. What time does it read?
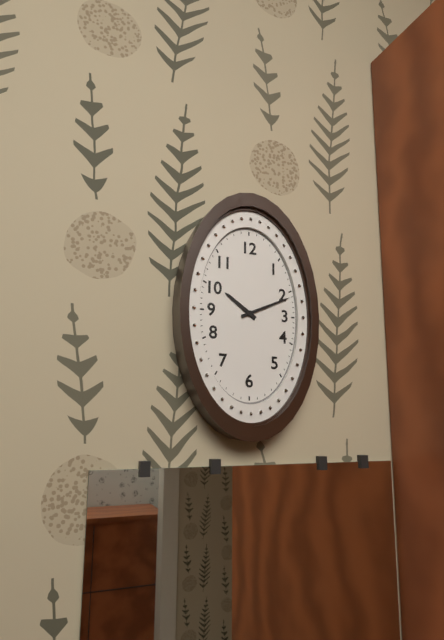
10:11
